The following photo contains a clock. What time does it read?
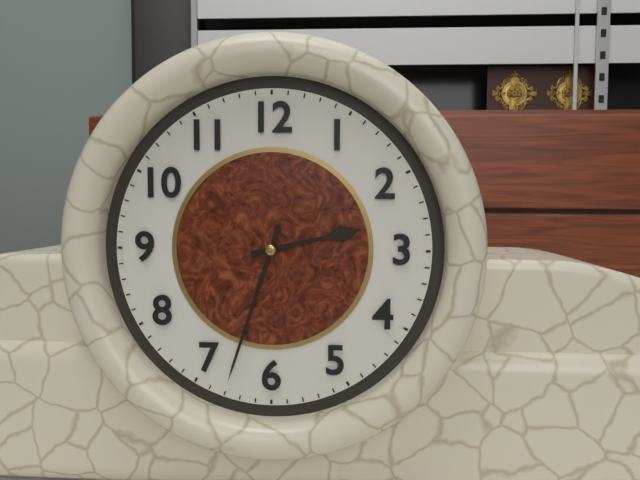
2:33
